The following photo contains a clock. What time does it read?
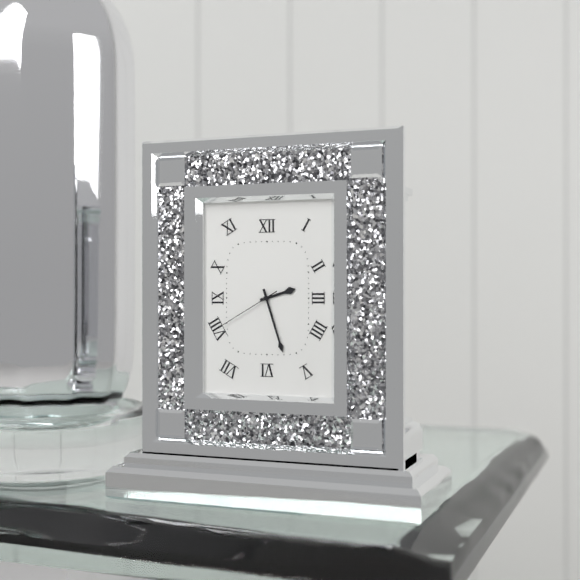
2:27:40
